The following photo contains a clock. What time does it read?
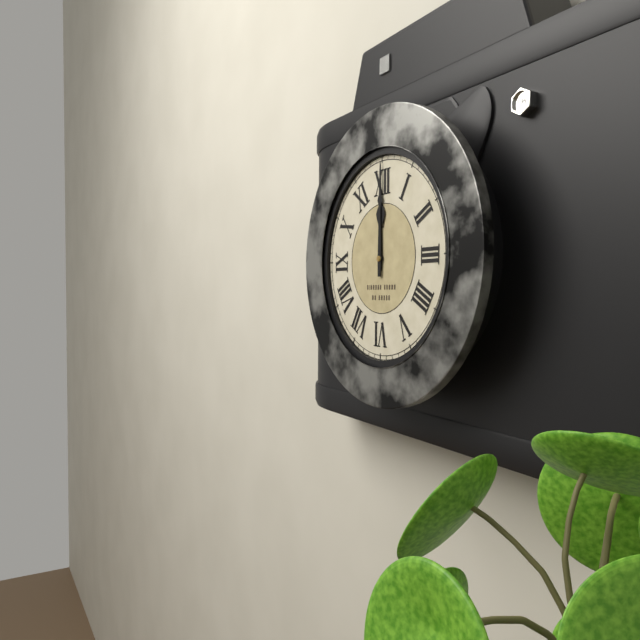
12:00
